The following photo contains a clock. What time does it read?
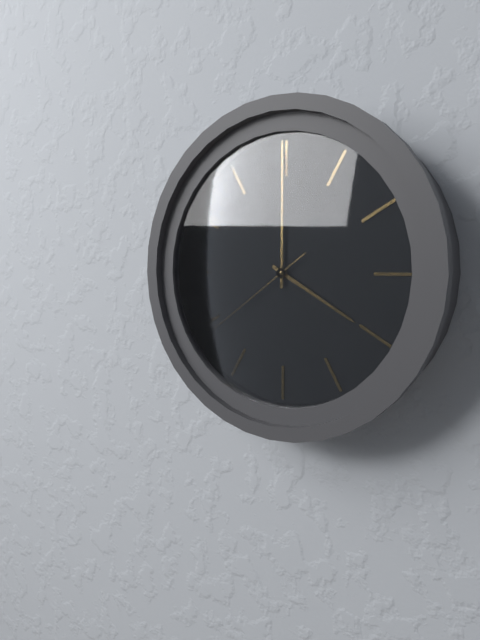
4:00:39
